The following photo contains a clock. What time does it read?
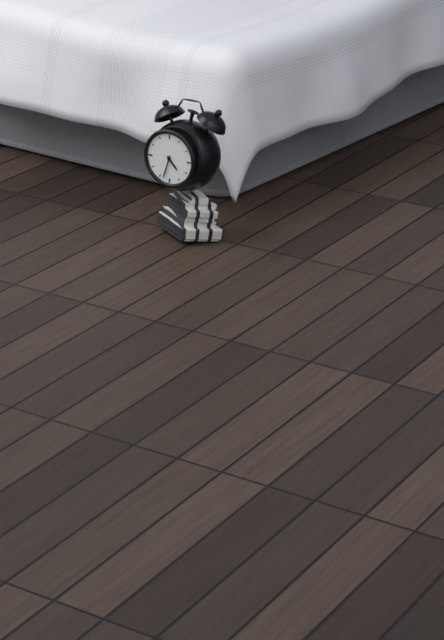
4:33
